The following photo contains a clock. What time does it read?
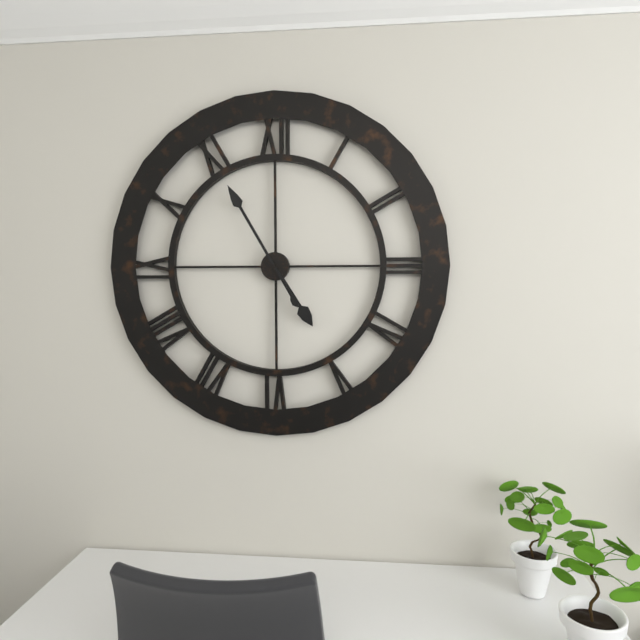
4:55
